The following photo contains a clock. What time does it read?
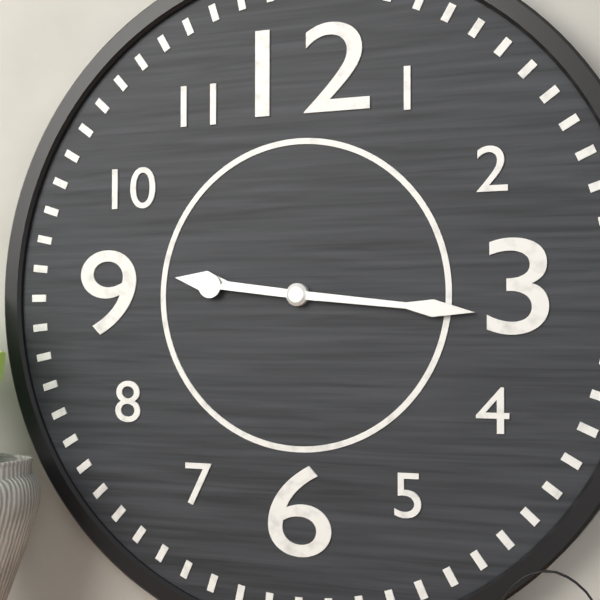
9:16
